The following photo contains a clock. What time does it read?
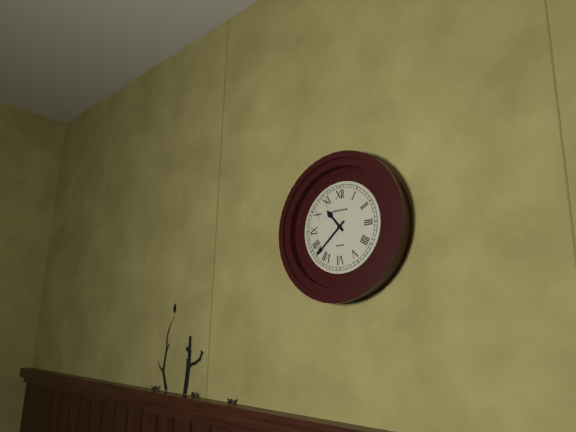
10:38
